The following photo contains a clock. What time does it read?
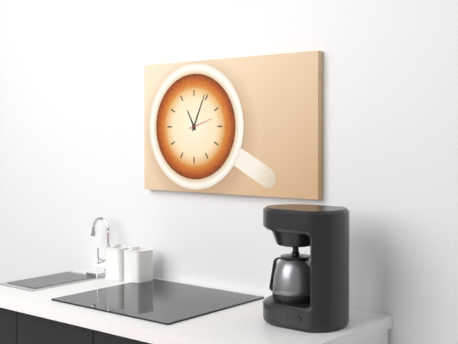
11:04
